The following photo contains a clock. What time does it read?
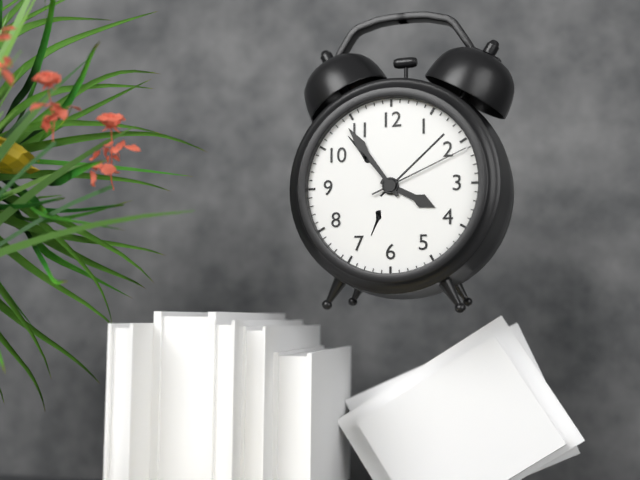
3:54:11
